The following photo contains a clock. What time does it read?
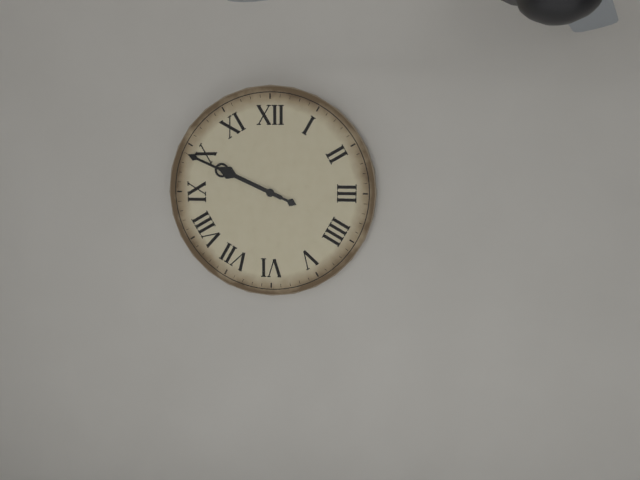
9:49
